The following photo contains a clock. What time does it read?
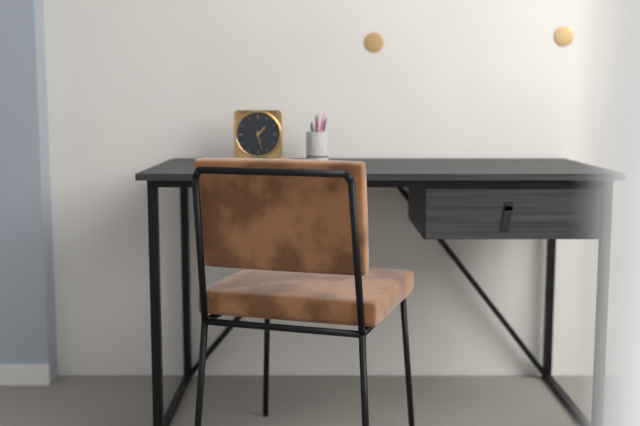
1:28
